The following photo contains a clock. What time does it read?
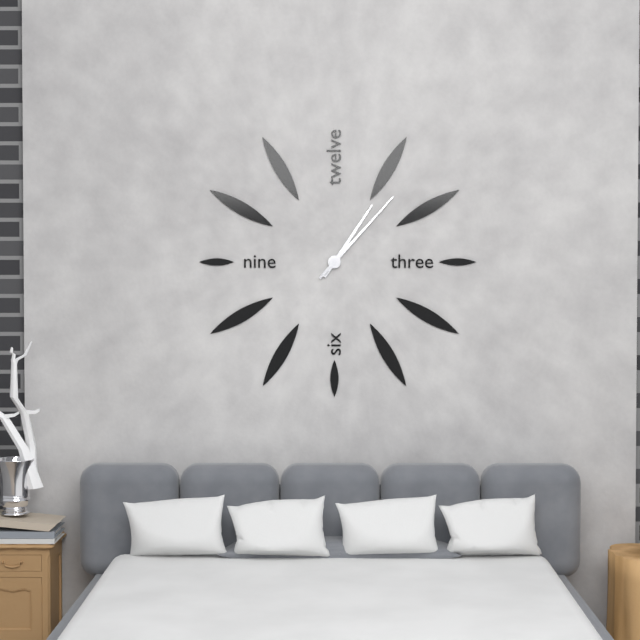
1:07
